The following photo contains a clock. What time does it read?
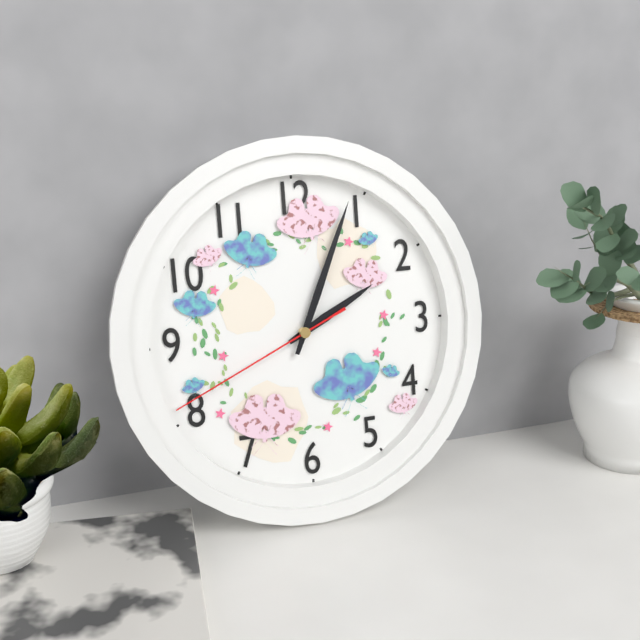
2:04:41
